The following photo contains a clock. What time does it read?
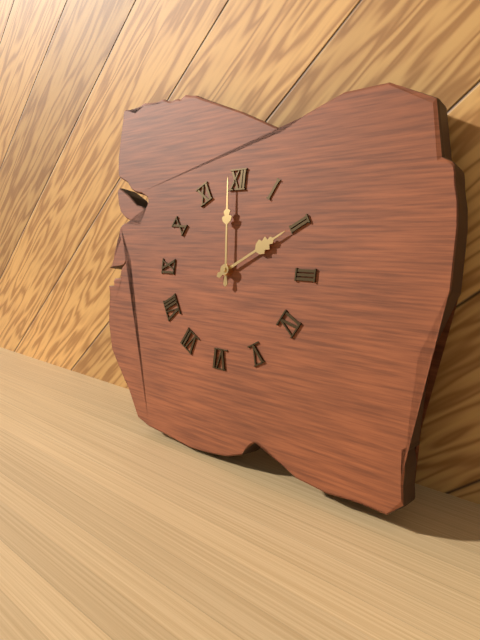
1:59
